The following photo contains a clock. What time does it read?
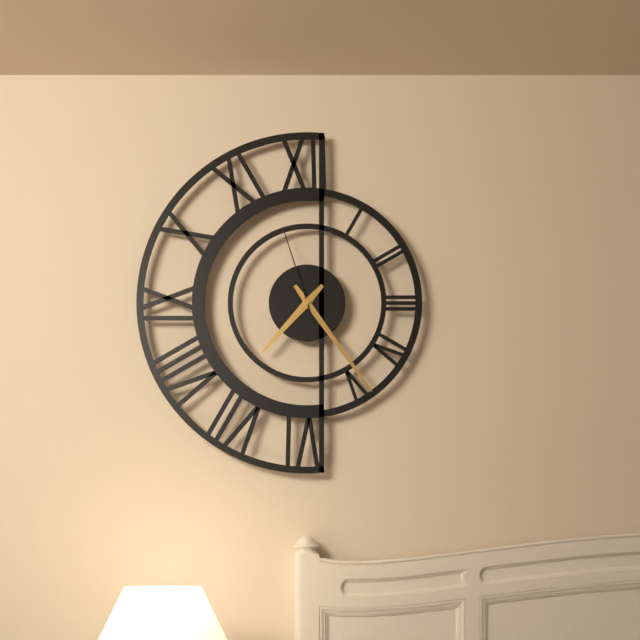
7:24:57
